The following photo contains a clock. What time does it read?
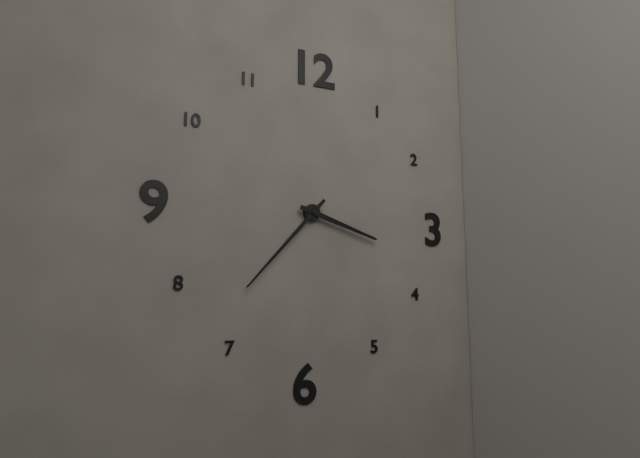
3:37
